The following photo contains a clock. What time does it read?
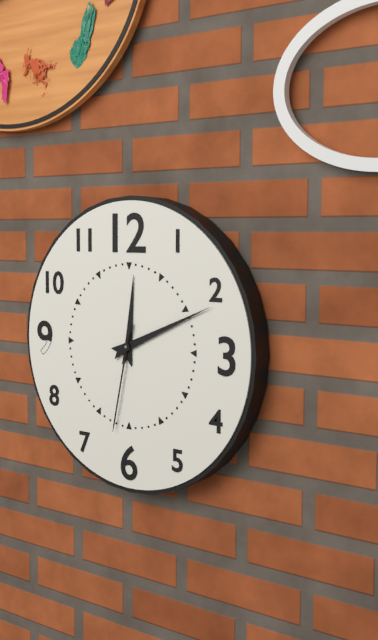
12:11:32
